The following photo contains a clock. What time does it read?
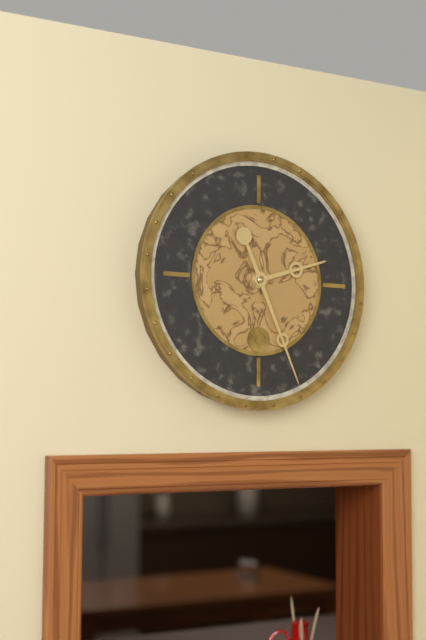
2:26
